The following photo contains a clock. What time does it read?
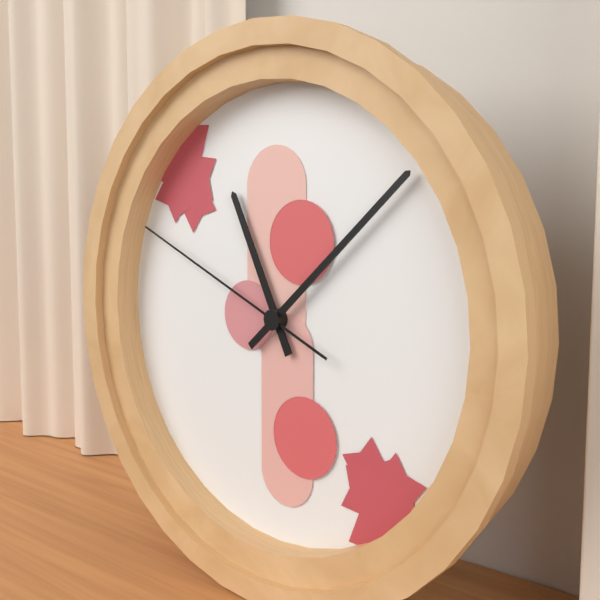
11:08:49
